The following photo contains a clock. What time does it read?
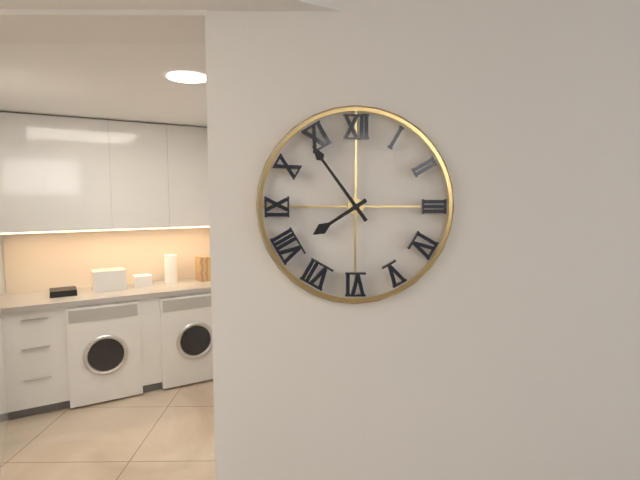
7:54
